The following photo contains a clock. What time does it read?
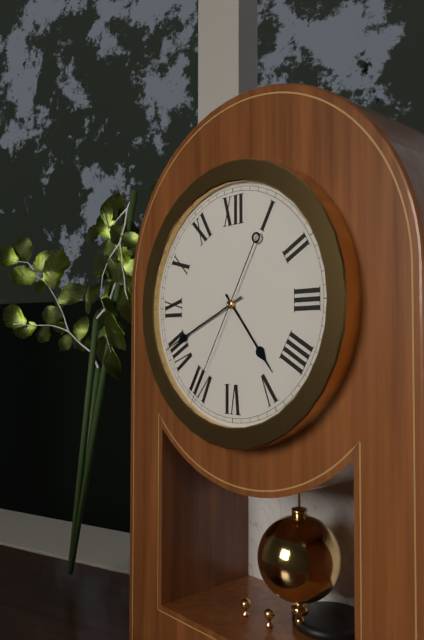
4:41:35
